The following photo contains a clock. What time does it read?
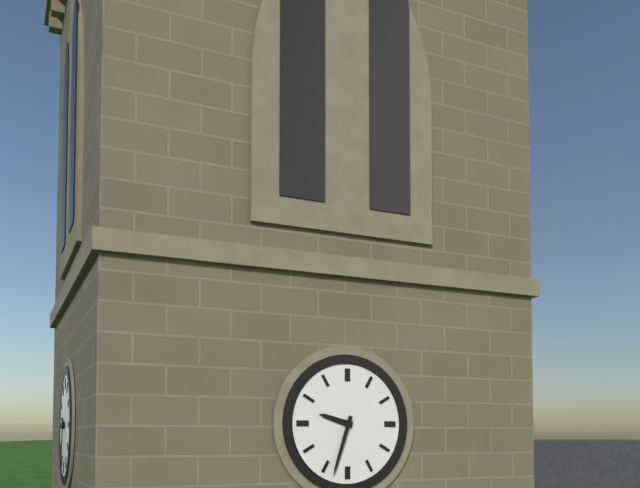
9:33
